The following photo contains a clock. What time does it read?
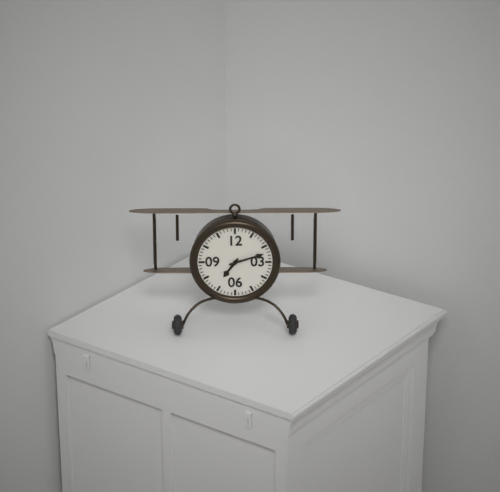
7:12
